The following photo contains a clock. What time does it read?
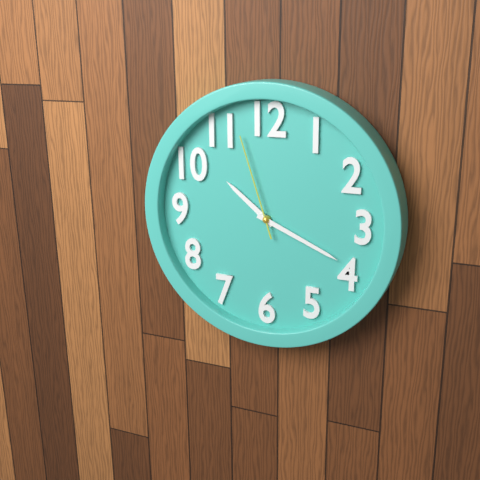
10:19:57
